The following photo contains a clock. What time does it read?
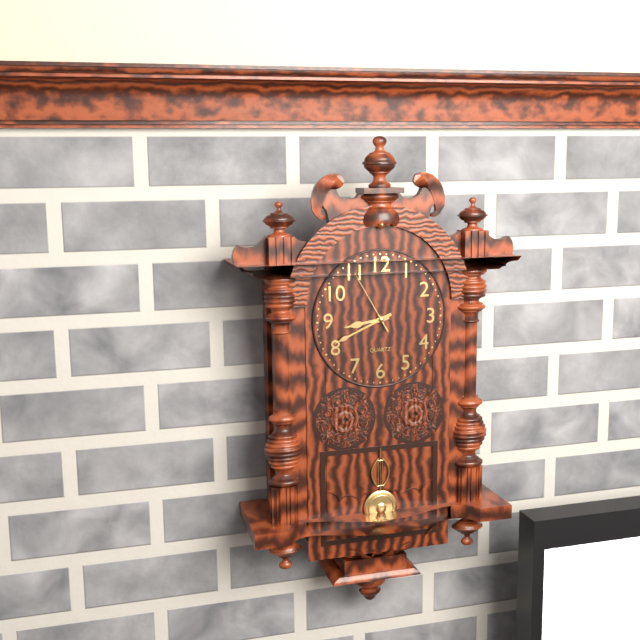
8:41:55
